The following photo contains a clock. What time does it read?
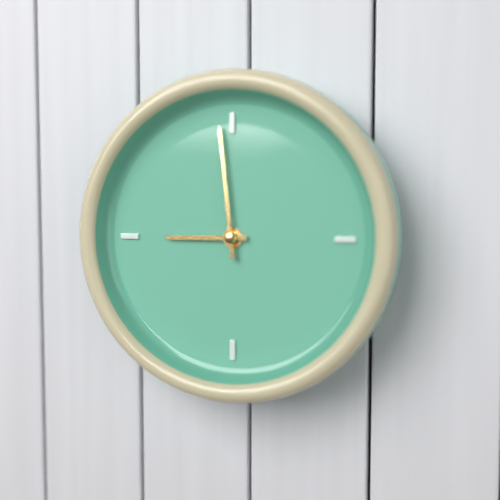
8:59
